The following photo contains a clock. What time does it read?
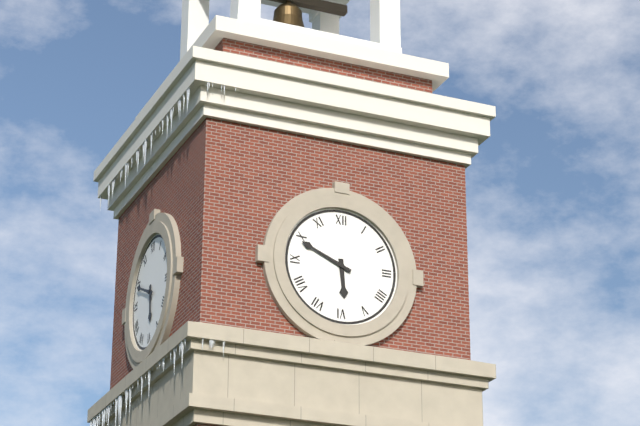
5:49
